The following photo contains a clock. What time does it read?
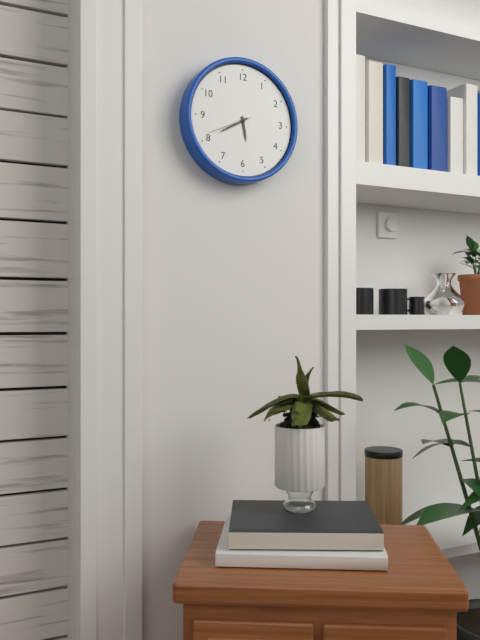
5:40
